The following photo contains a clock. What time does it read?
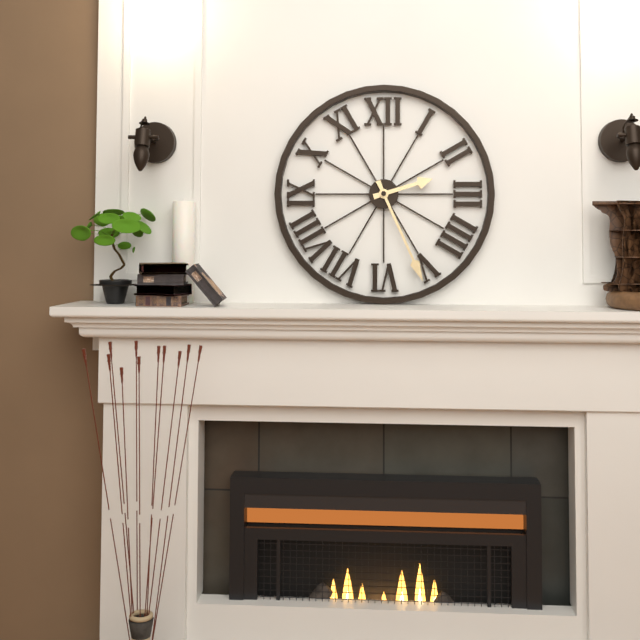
2:26
